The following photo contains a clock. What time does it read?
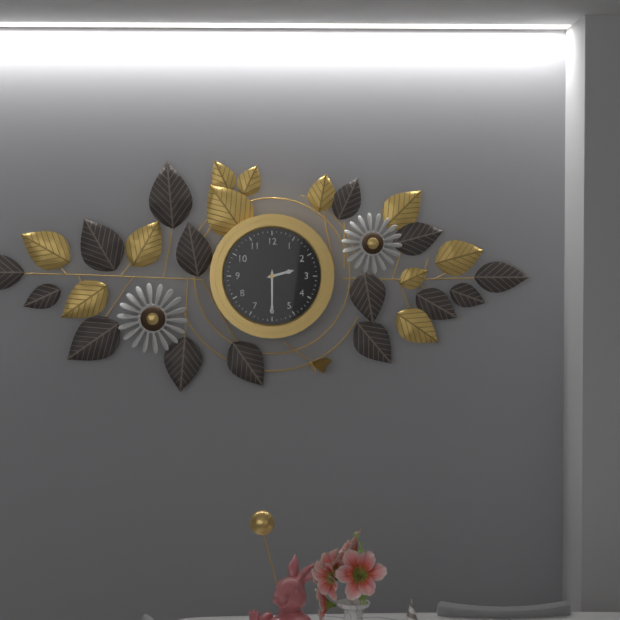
2:30
